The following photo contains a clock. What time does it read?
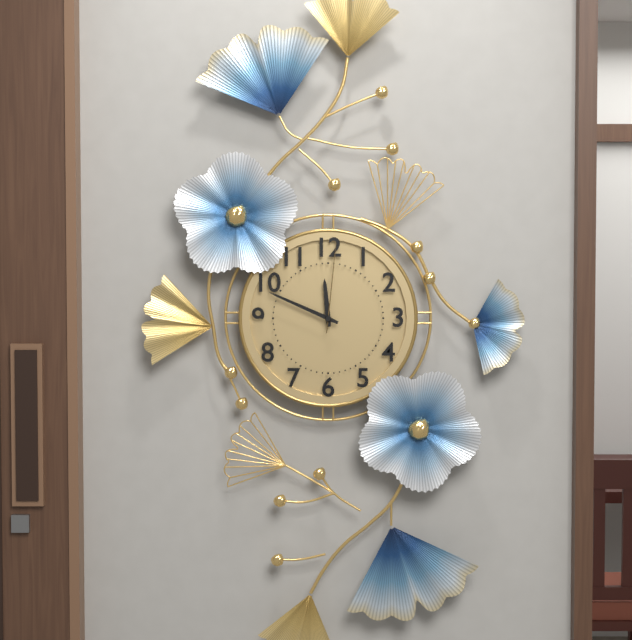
11:49:01
